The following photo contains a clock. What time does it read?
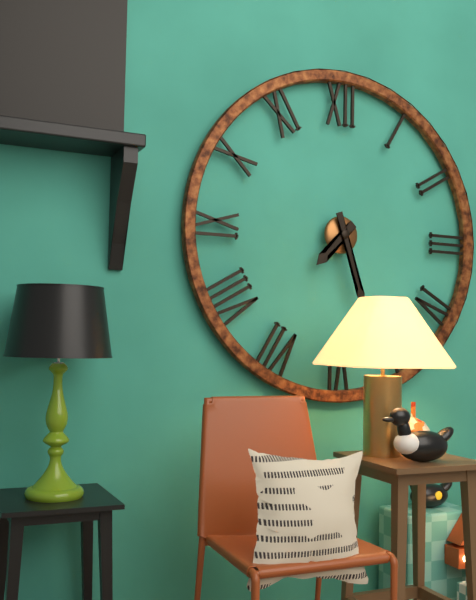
7:27
